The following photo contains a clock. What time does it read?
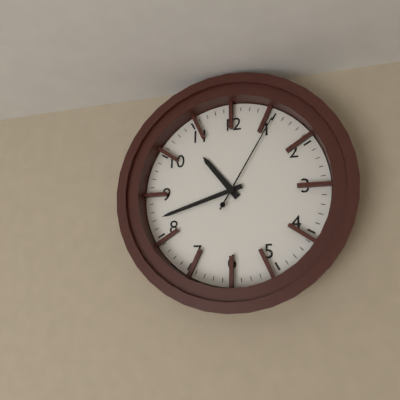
10:42:05
